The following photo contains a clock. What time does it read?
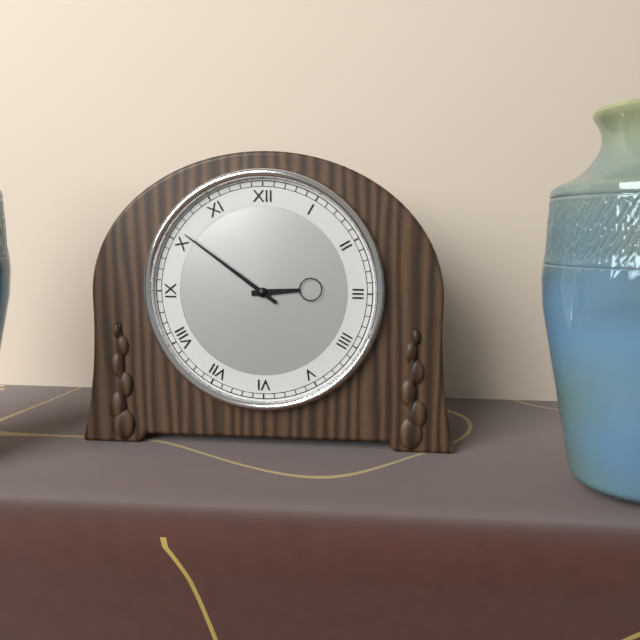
2:51
